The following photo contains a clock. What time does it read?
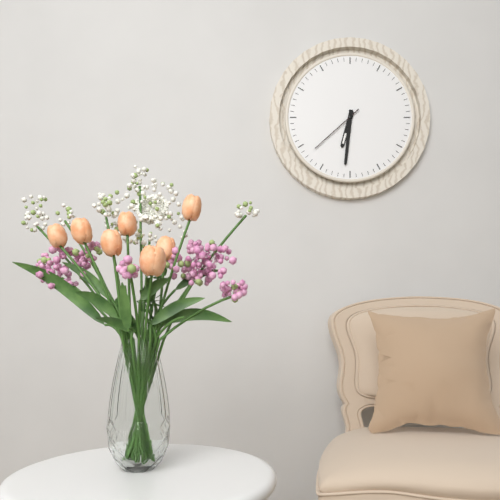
6:31:38
